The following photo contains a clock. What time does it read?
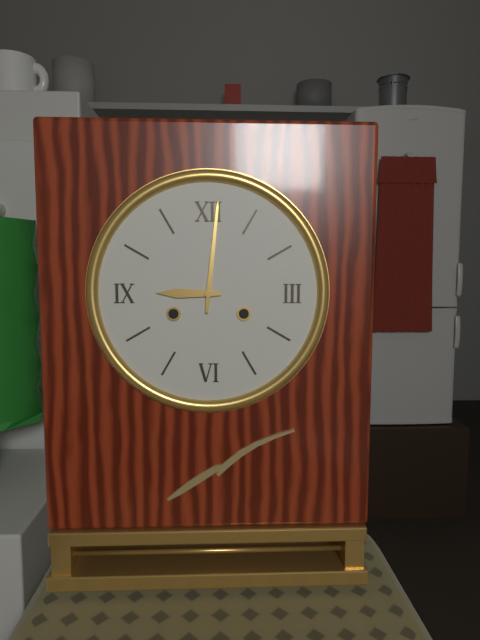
9:01
